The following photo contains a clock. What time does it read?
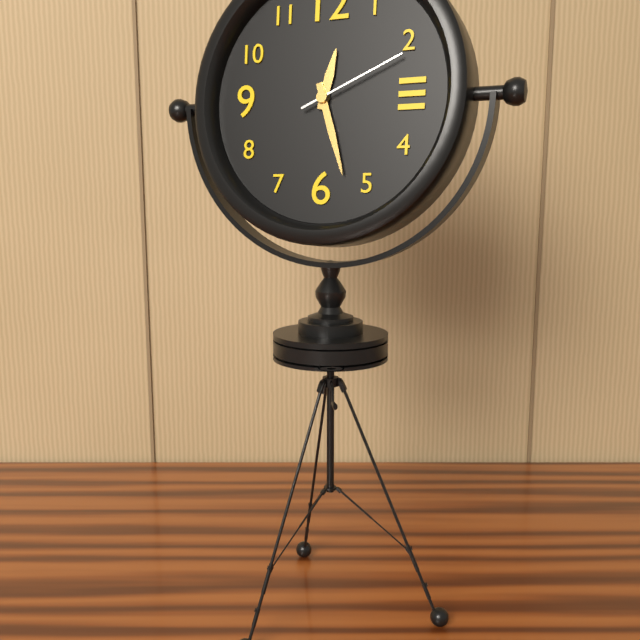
12:27:11
